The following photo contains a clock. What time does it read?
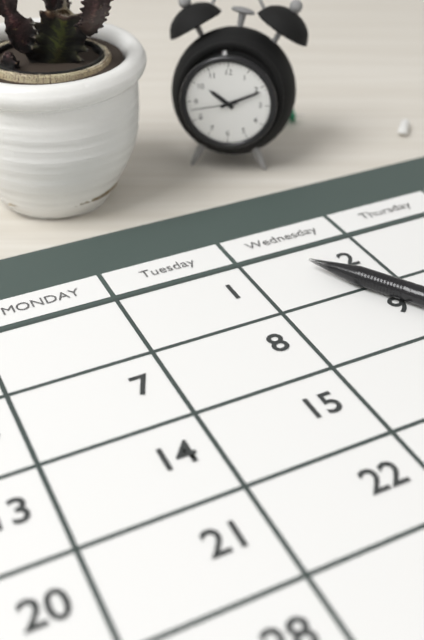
10:11
